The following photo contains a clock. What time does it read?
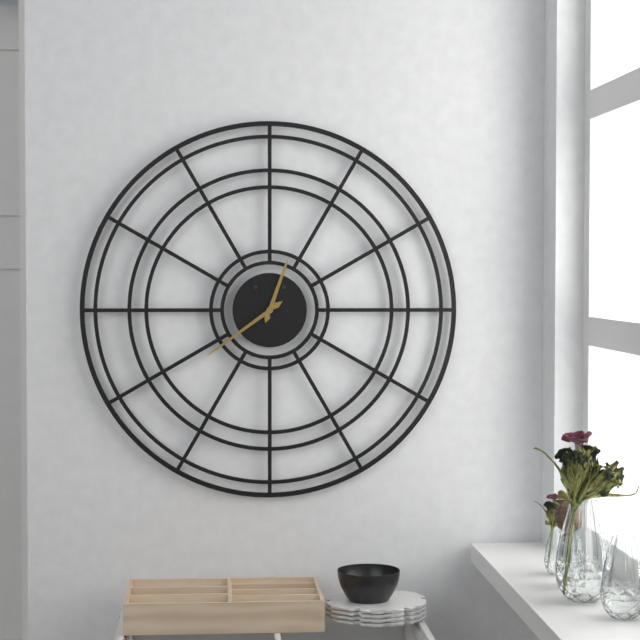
12:39
